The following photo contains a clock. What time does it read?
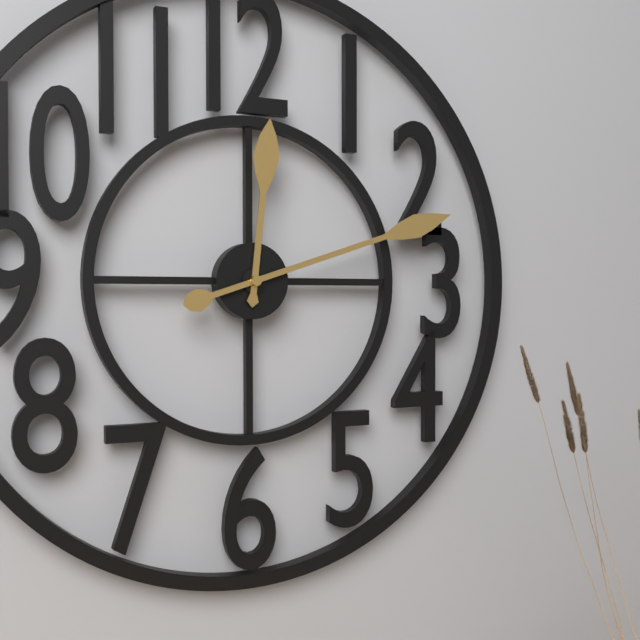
12:12
